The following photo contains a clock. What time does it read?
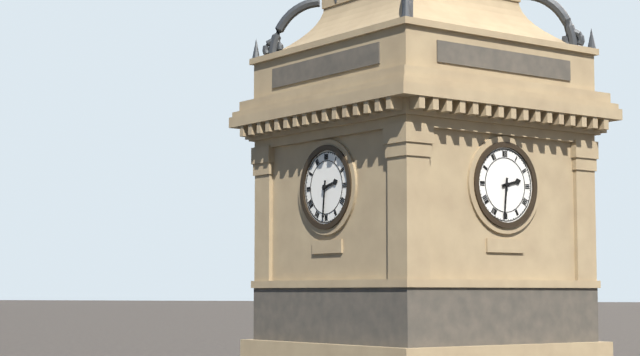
2:31
